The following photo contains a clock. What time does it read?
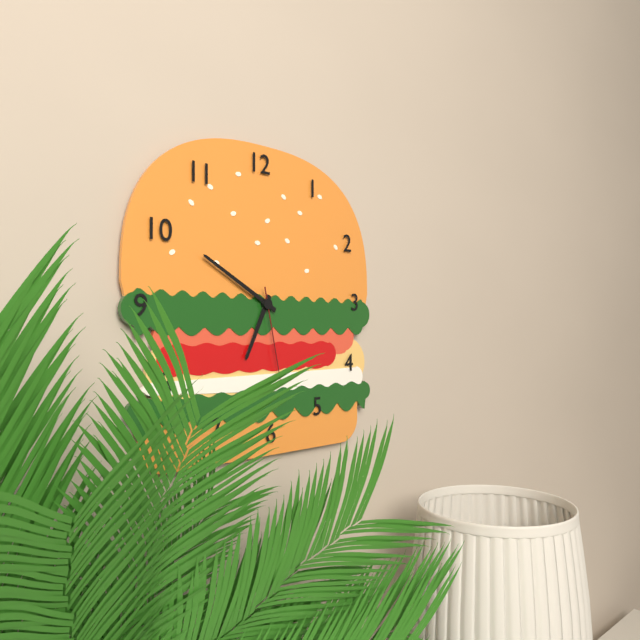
6:50:28
